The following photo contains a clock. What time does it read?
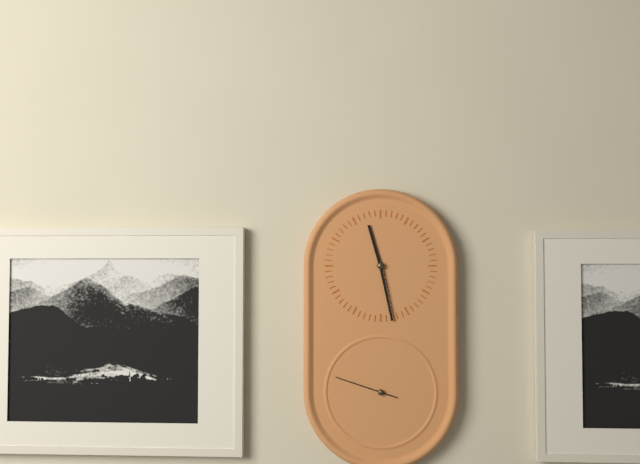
11:28:48
